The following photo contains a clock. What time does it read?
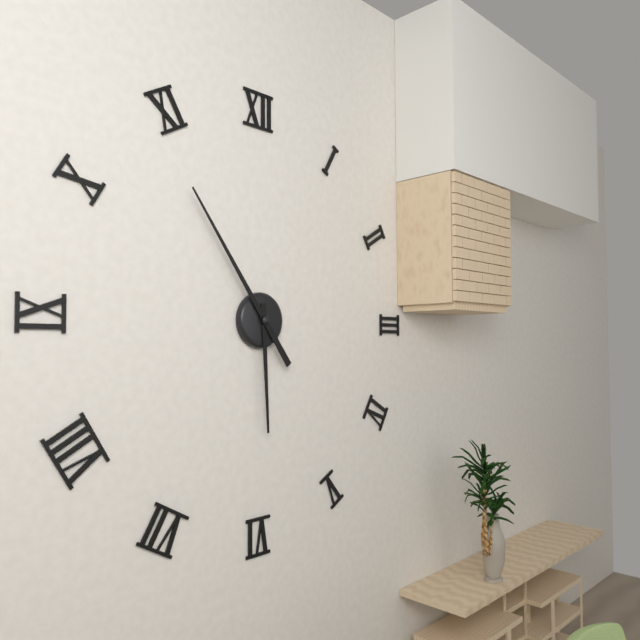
5:54
